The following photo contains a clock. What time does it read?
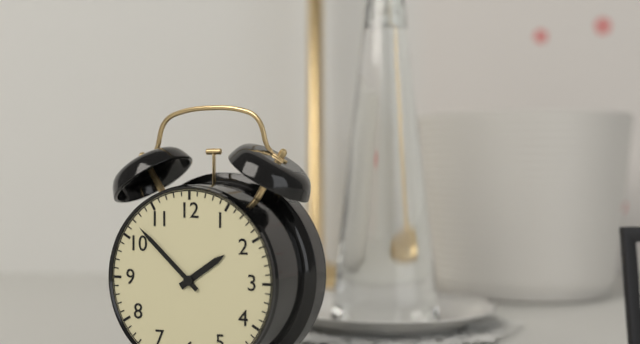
1:52
